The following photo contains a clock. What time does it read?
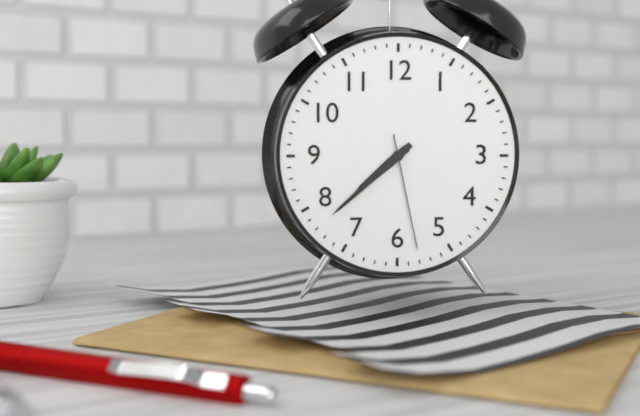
7:38:28
